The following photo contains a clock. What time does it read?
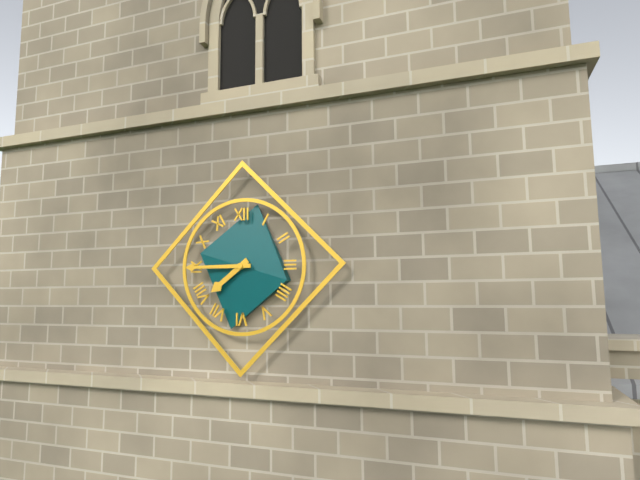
7:45
